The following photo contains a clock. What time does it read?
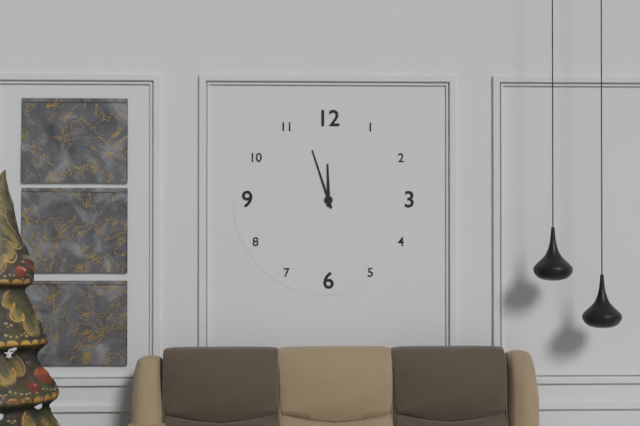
11:57
